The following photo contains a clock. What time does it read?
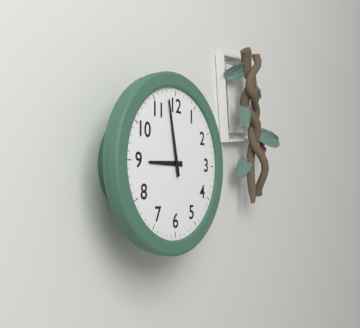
8:58
